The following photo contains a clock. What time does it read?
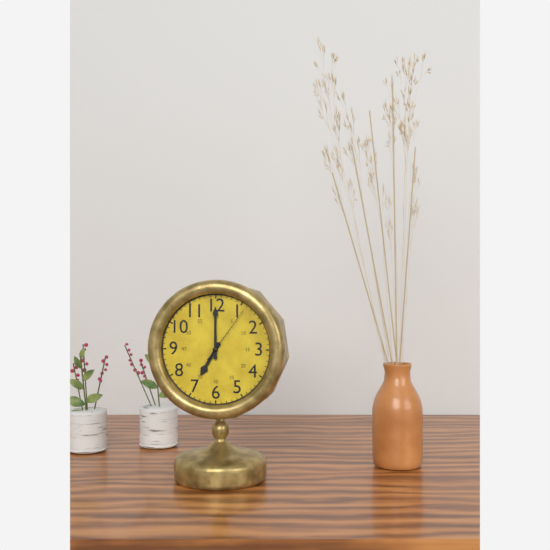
7:00:06
